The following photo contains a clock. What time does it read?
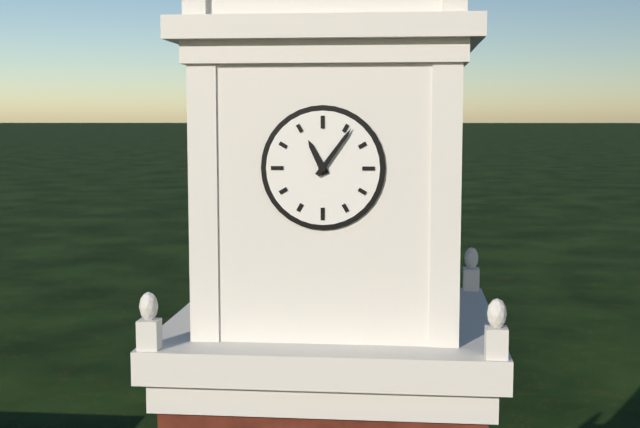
11:06
